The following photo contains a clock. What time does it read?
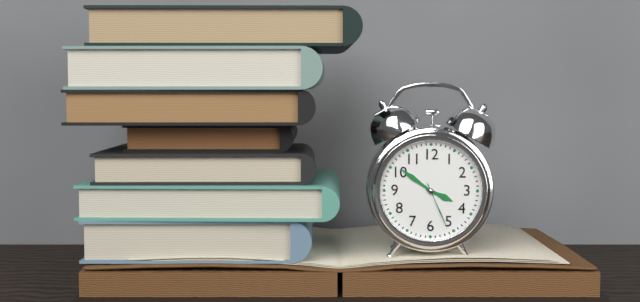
3:51:26
